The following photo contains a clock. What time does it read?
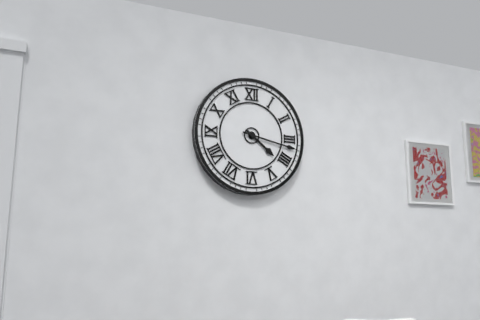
4:17
